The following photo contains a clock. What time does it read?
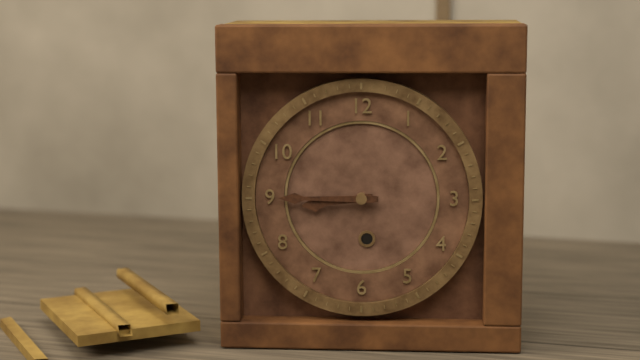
8:45
